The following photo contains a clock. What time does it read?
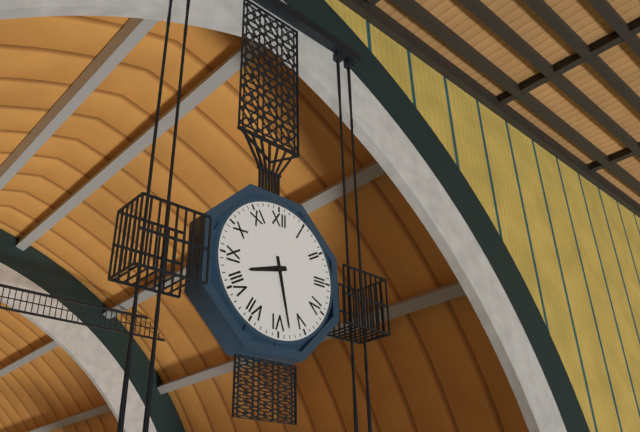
8:28
